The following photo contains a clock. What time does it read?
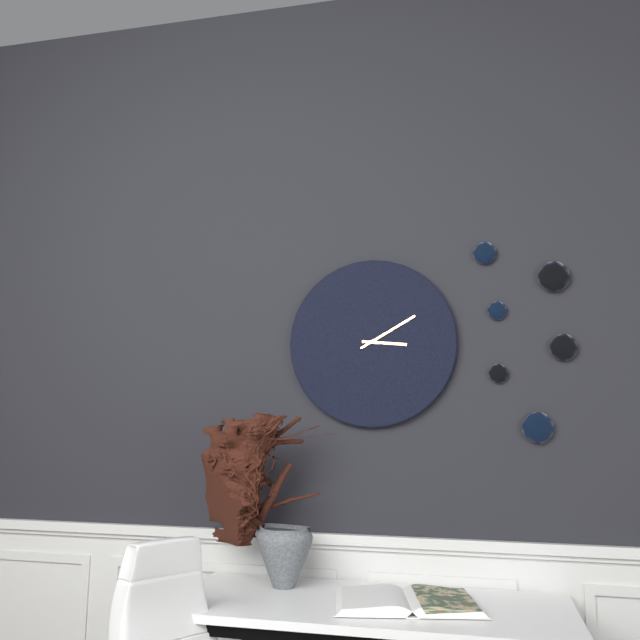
3:10
